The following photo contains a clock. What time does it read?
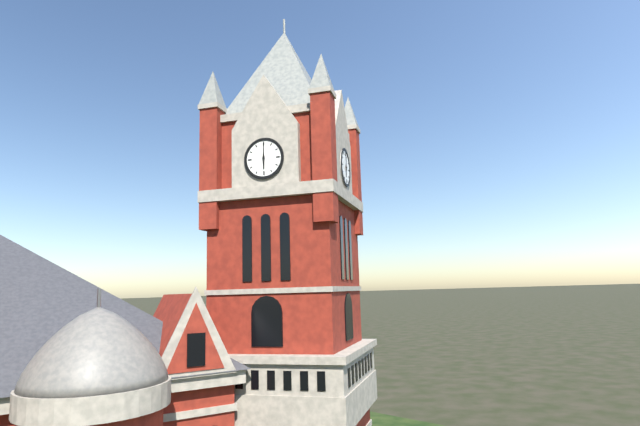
6:00
